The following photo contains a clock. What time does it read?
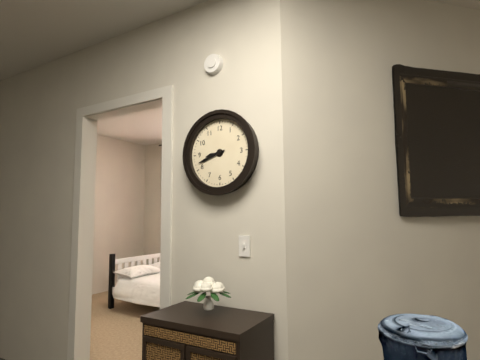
8:42
